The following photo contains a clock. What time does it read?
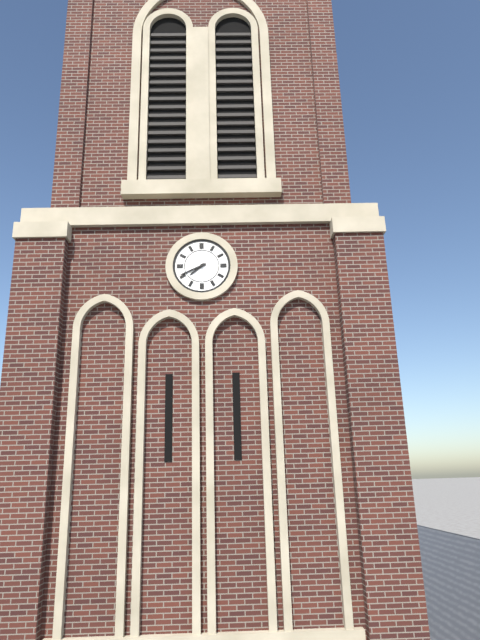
7:41
